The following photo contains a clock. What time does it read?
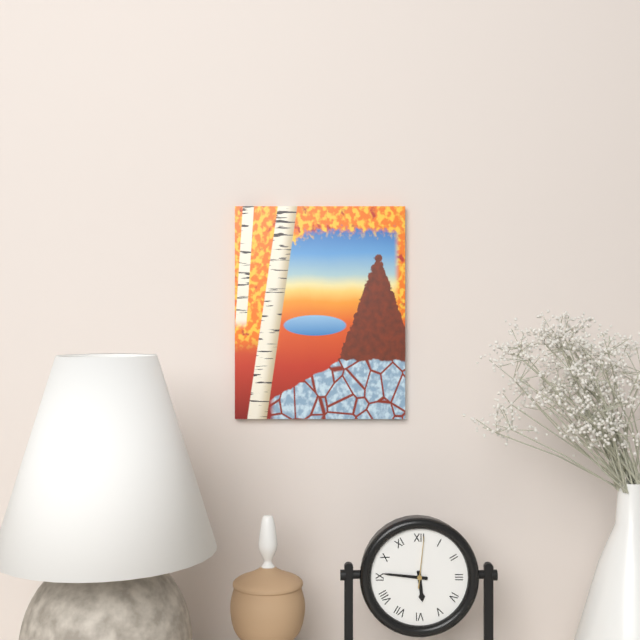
5:46:01
